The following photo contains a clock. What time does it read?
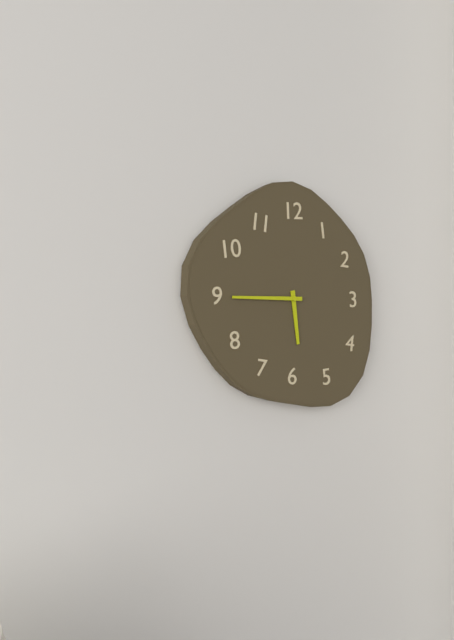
5:45
